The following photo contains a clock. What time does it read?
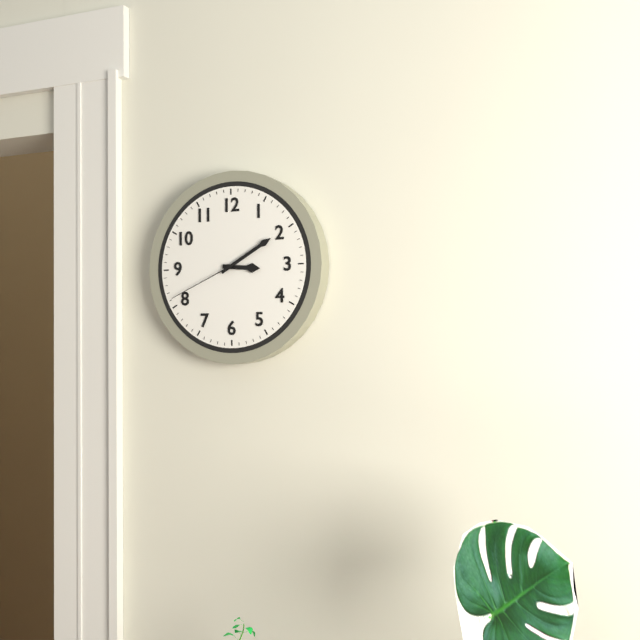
3:10:41
